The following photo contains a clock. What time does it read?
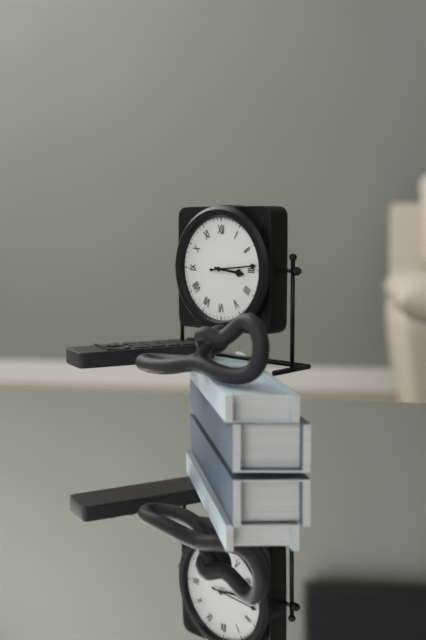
3:14
